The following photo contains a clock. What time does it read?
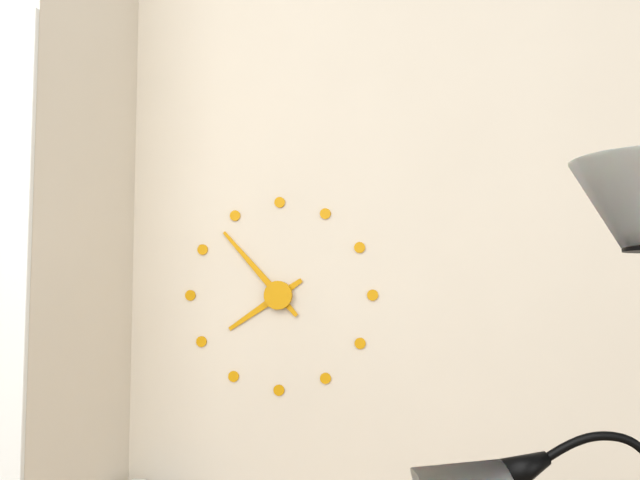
7:53
